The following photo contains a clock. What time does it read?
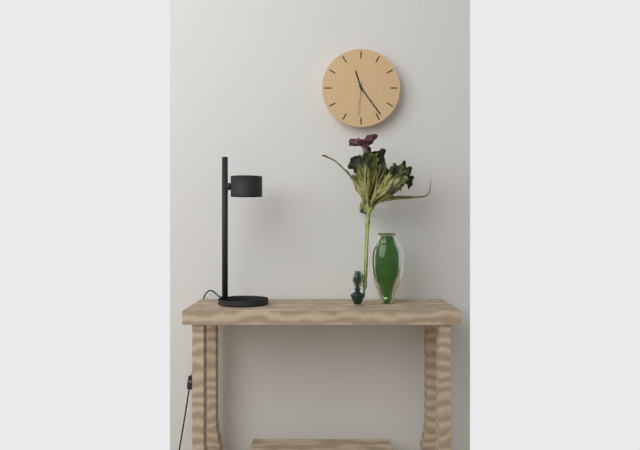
11:24
